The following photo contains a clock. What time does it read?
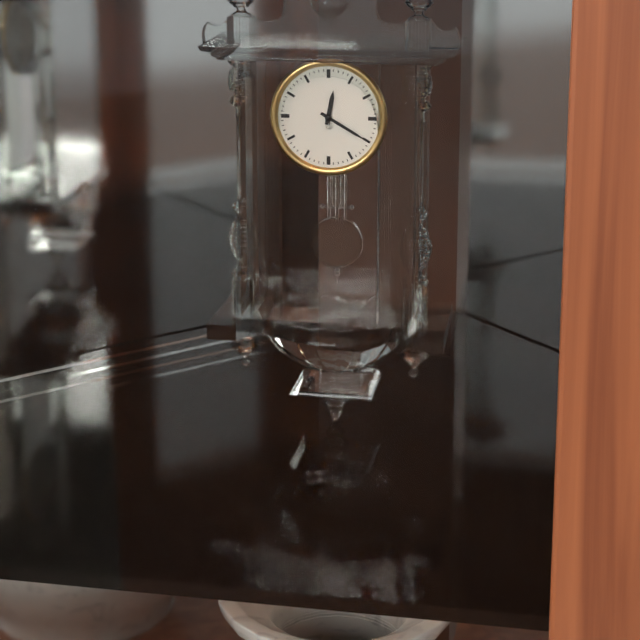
12:20
